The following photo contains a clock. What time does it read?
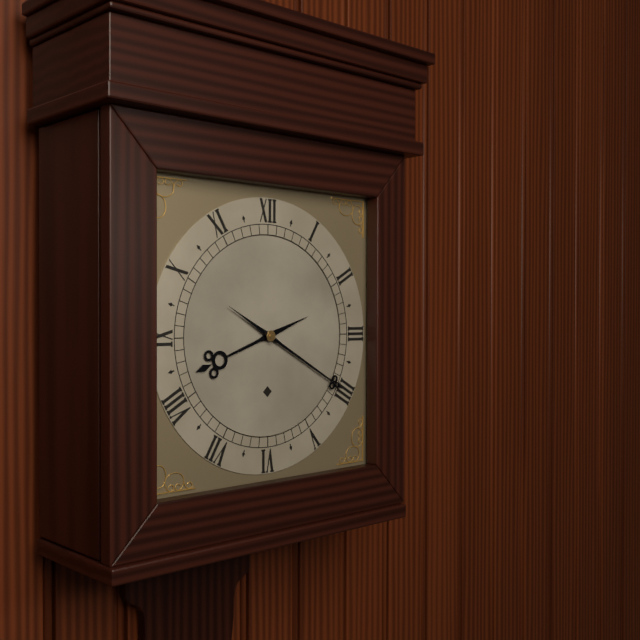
8:20
